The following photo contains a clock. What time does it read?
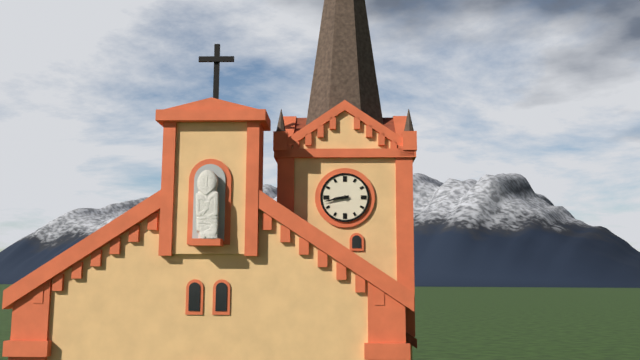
8:43
